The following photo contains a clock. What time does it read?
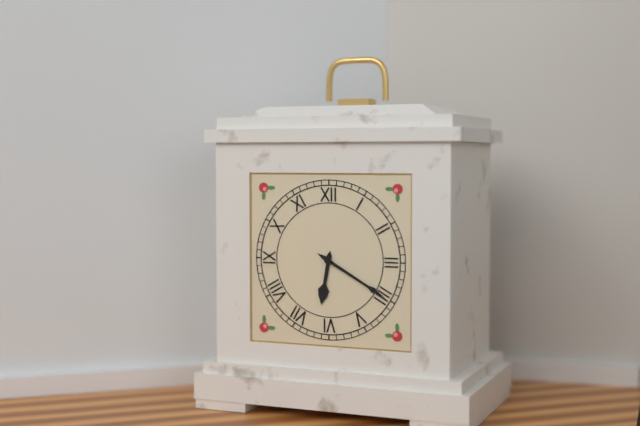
6:20
